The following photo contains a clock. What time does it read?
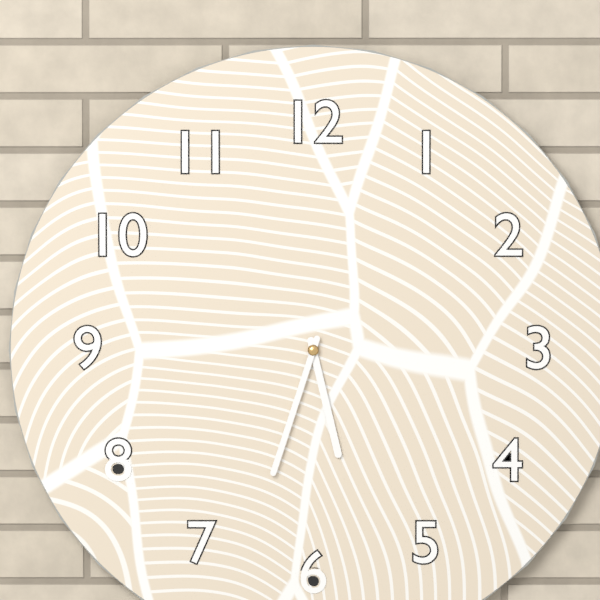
5:33
